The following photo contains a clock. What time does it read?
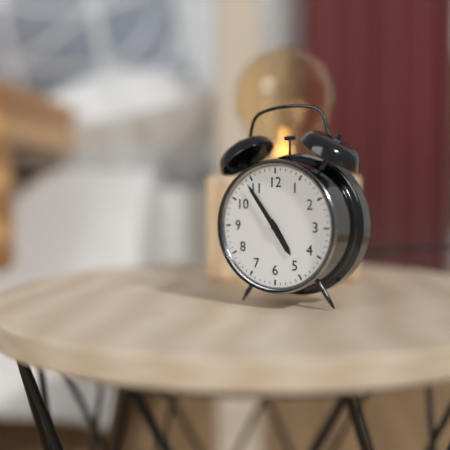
4:54
